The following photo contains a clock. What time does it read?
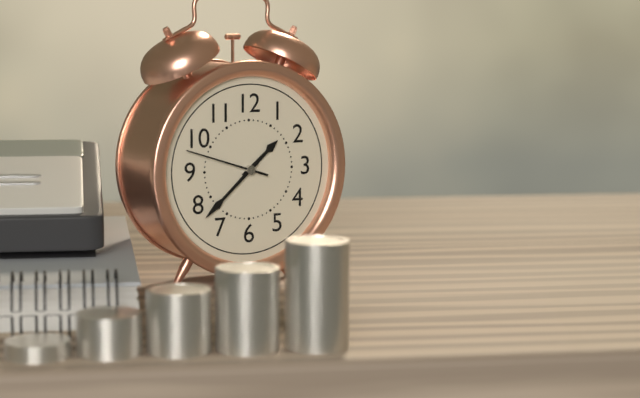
1:38:48
